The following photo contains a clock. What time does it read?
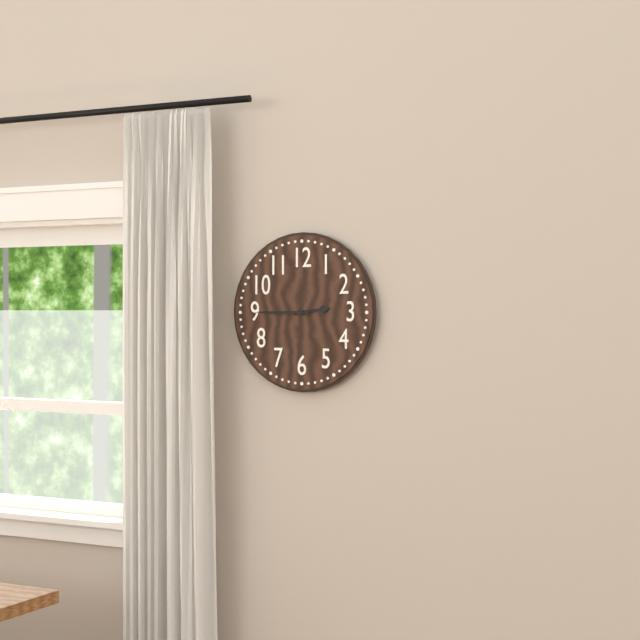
2:45
